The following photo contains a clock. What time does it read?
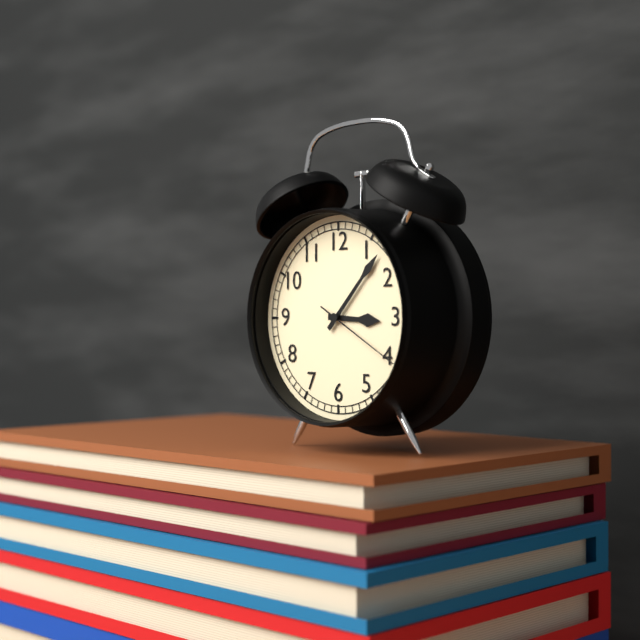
3:07:20
